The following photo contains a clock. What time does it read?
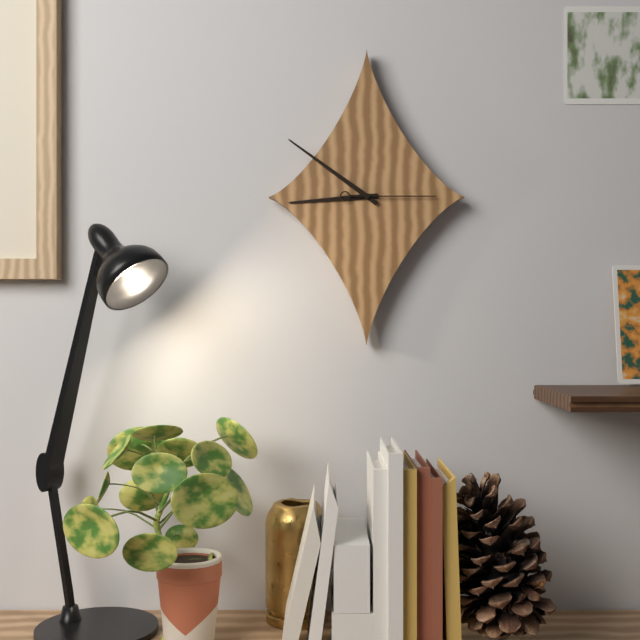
8:51:15
